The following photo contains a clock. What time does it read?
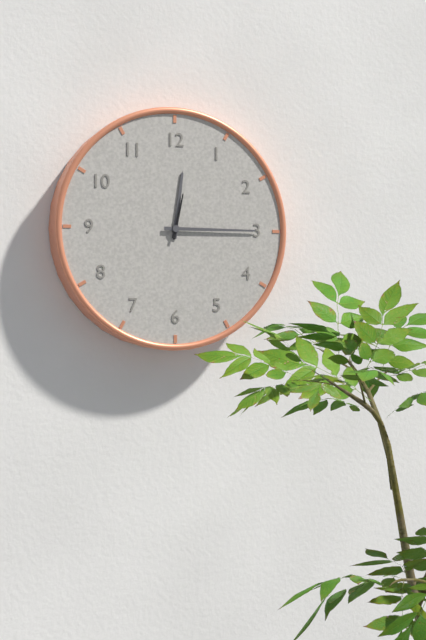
12:15
